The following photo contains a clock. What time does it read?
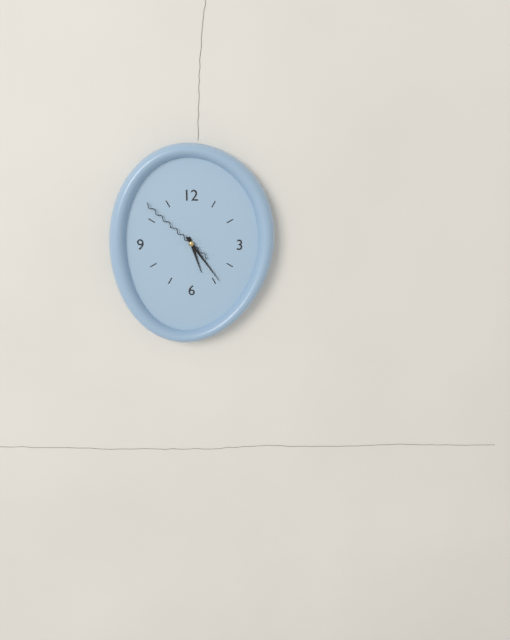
5:24:52
